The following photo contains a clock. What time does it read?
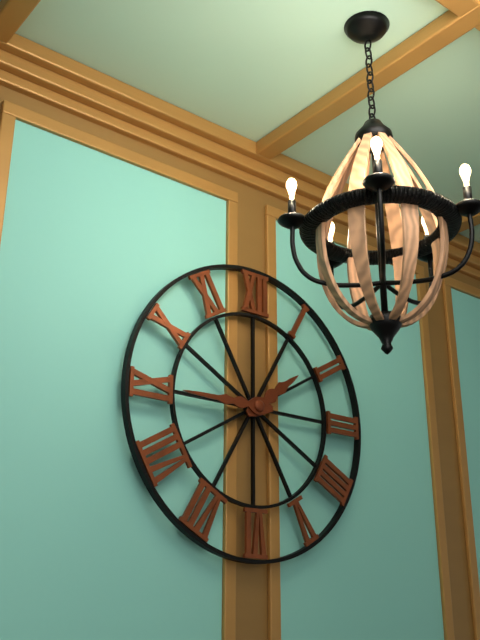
1:45
